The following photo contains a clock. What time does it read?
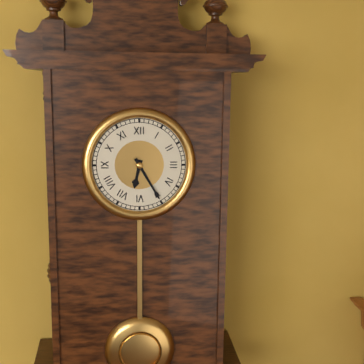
6:25
